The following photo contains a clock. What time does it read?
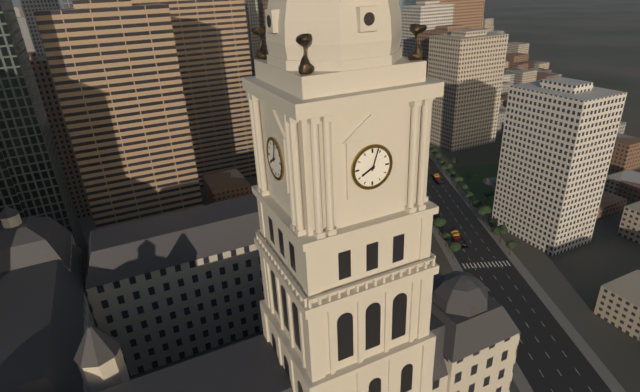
8:03
